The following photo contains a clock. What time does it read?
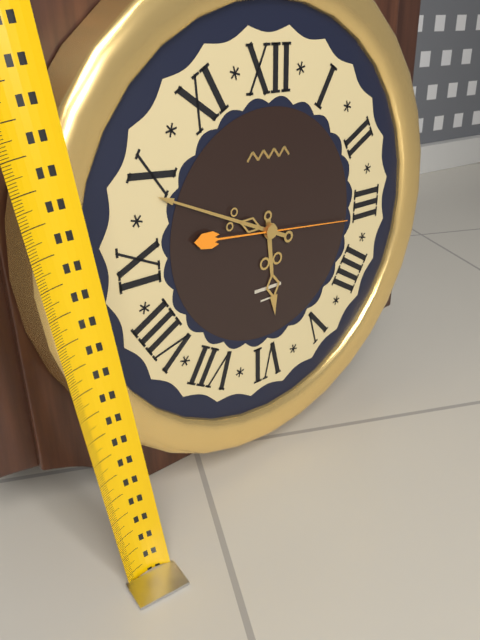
5:49:16
